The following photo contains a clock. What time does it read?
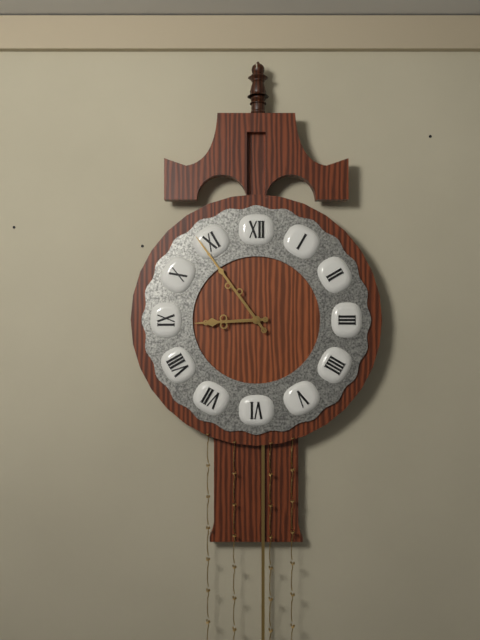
8:54
